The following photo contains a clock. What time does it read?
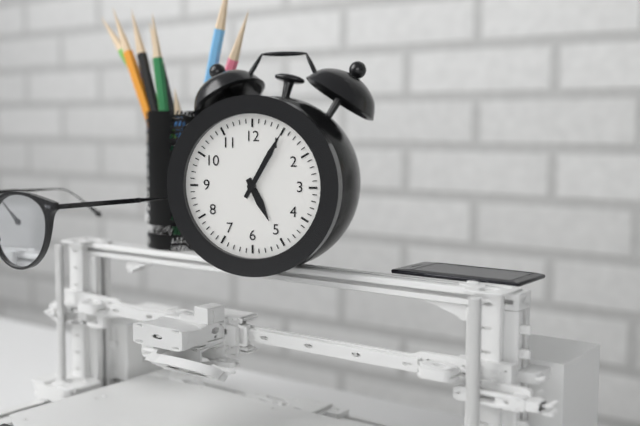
5:05
